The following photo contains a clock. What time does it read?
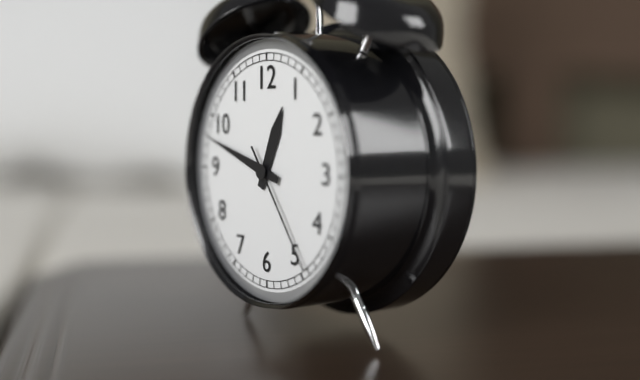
12:48:24
